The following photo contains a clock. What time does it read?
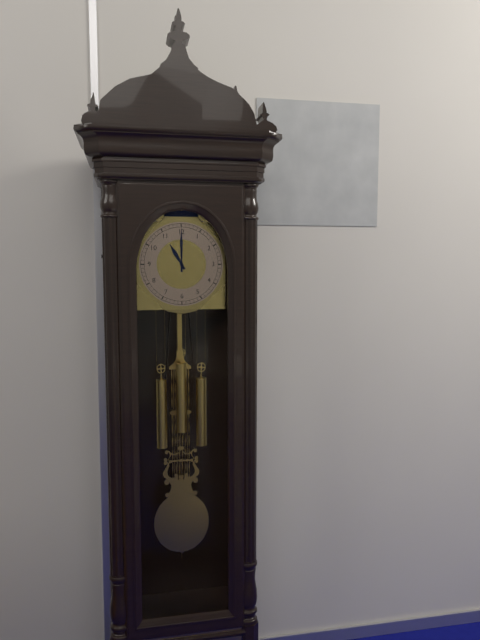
11:00
